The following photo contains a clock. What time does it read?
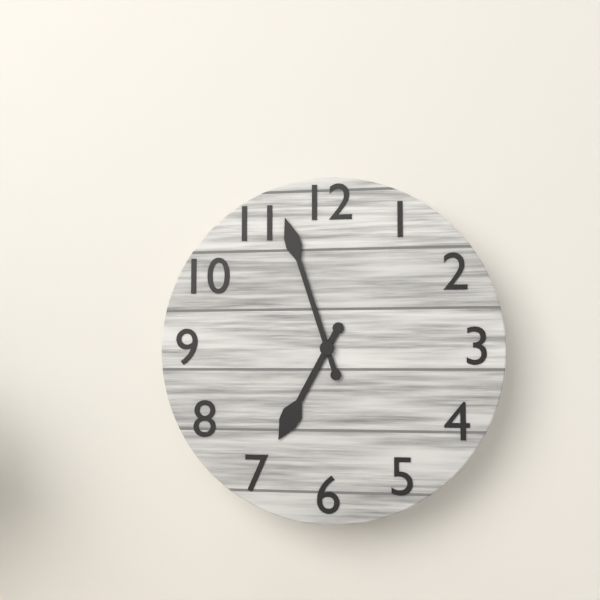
6:57
